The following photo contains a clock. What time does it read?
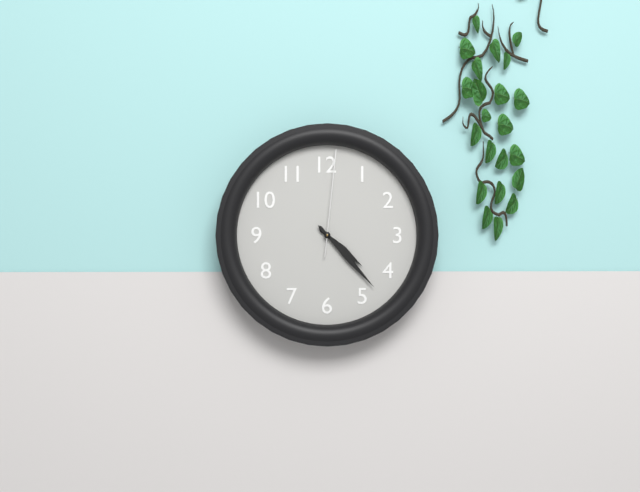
4:23:01
